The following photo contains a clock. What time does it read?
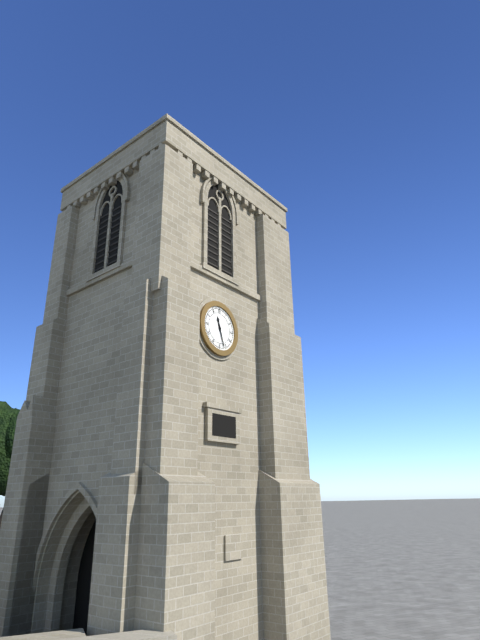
11:27
